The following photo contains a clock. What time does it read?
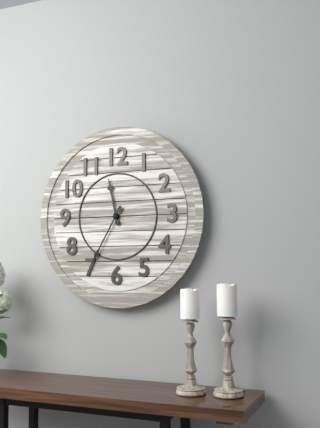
11:35
